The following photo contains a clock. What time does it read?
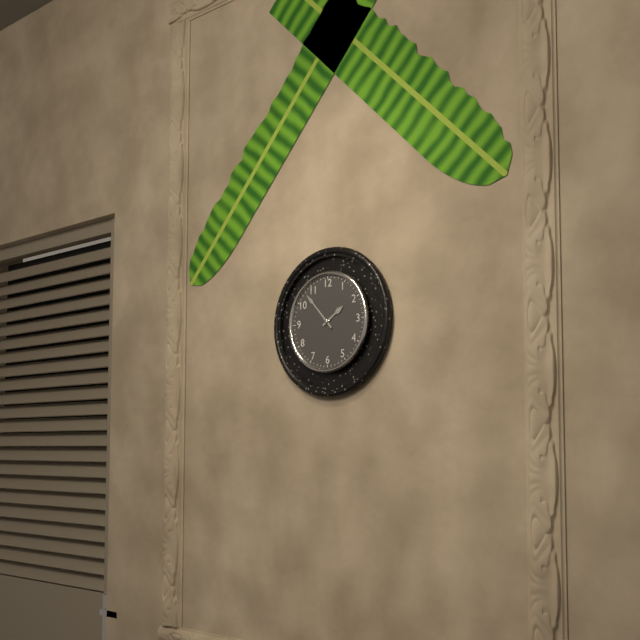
1:53
